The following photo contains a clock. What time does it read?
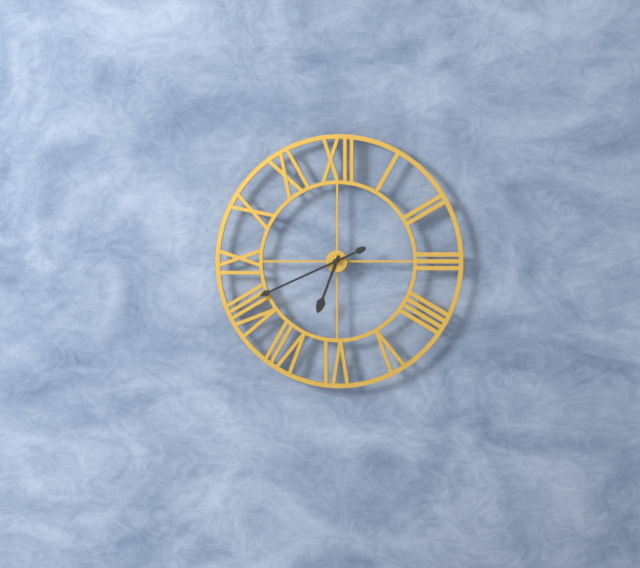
6:41
